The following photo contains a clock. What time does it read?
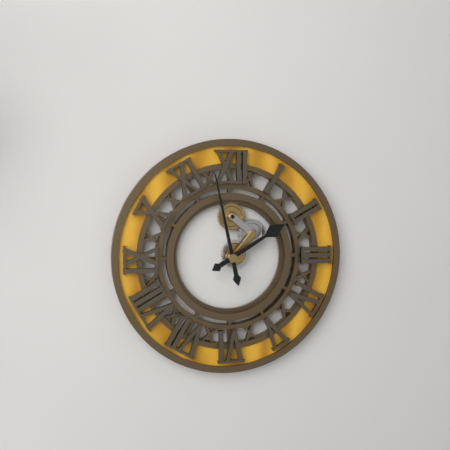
1:58
